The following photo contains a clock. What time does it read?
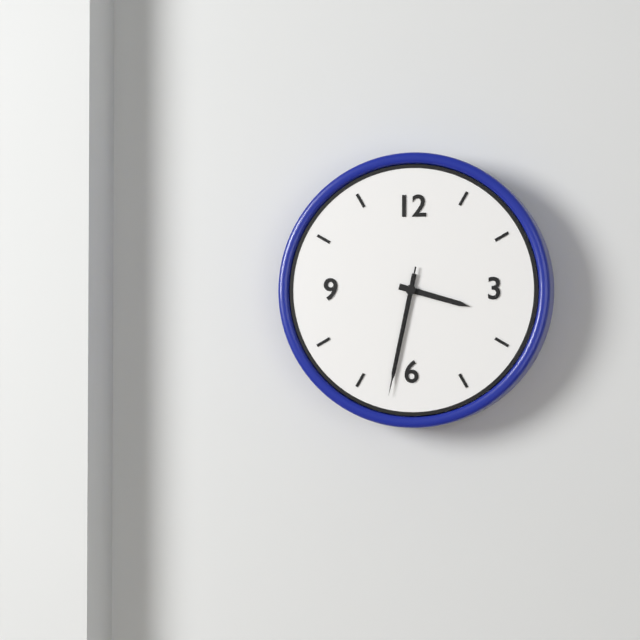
3:32:32
